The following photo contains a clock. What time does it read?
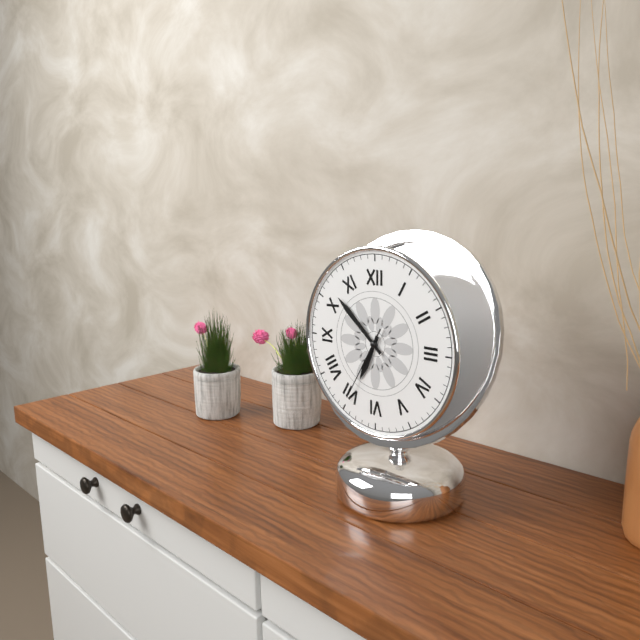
6:52:35
